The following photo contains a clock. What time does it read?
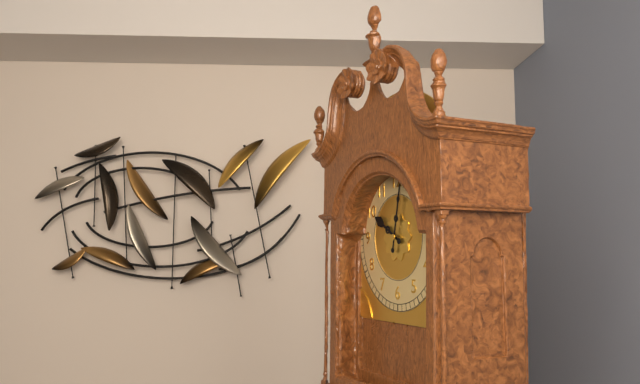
10:02
